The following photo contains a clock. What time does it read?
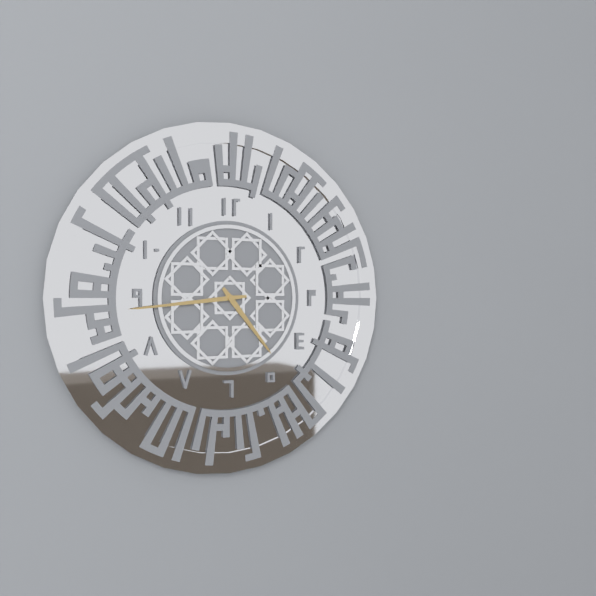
4:44
